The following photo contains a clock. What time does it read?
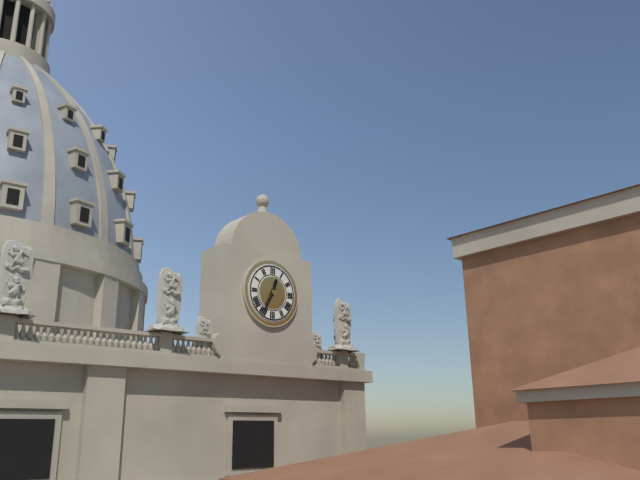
12:35
